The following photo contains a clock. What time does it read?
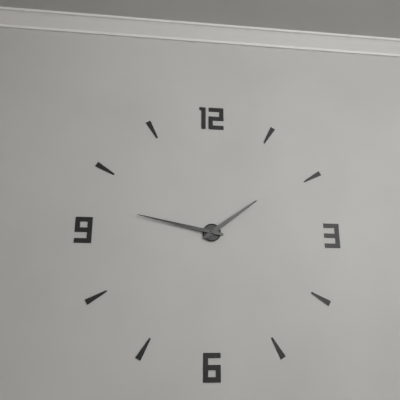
1:47
